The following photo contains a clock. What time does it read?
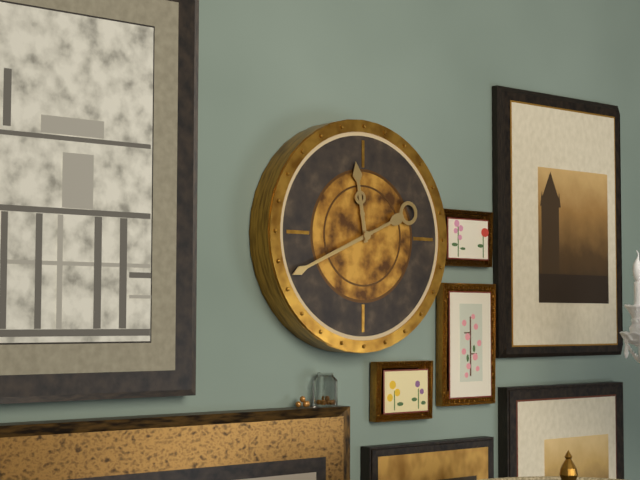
11:41
